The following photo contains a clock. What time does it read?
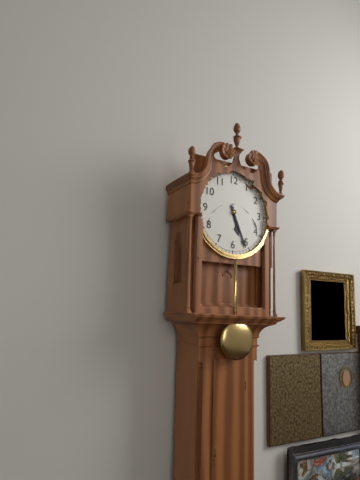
5:26
